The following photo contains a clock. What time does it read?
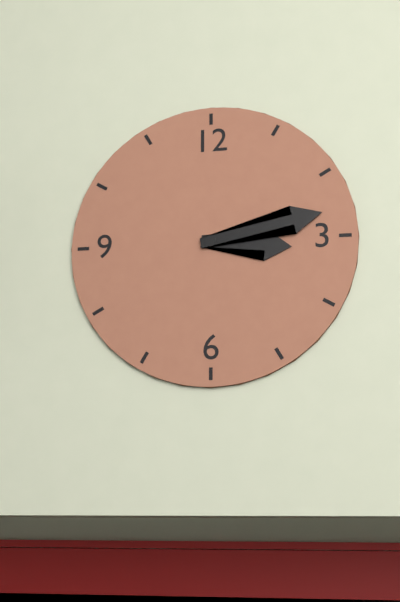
3:13
